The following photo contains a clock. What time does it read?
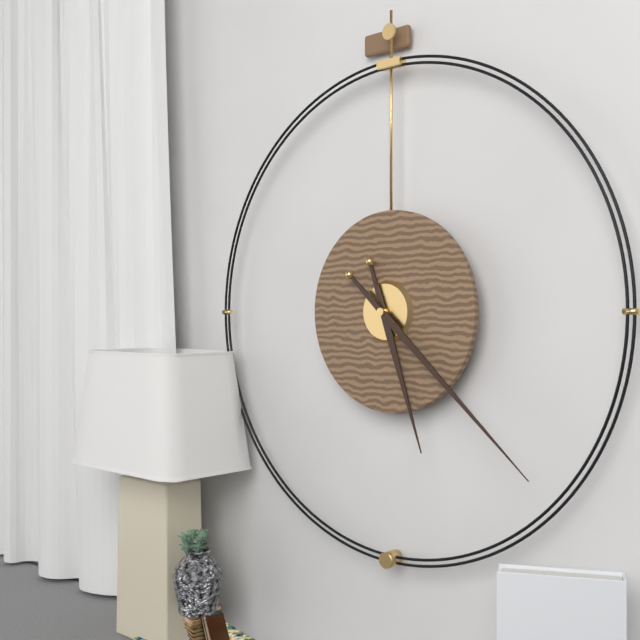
5:22
